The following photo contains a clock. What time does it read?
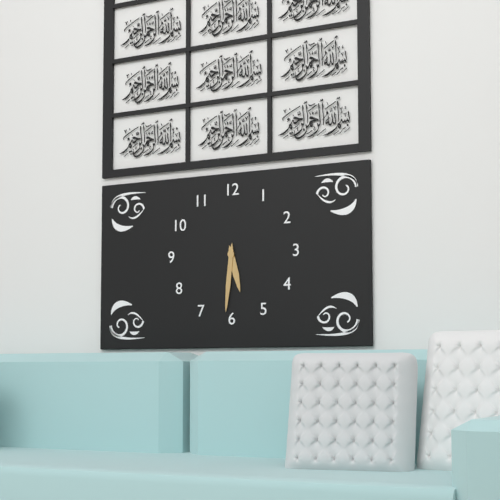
5:31
